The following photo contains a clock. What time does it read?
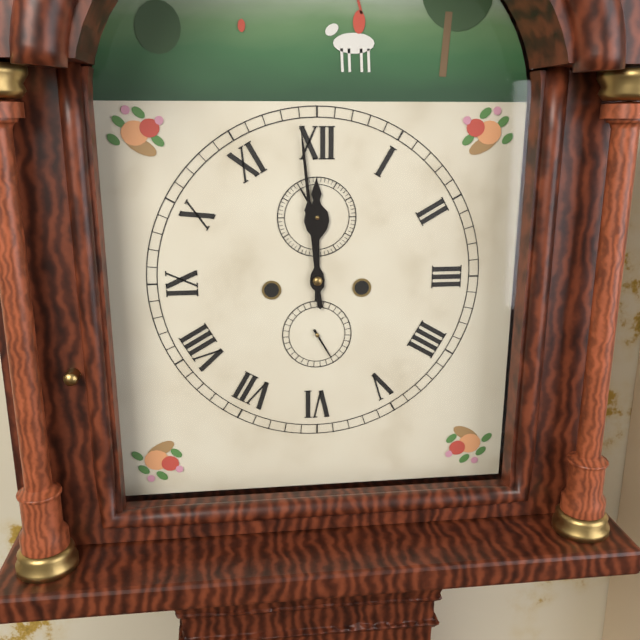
11:59
